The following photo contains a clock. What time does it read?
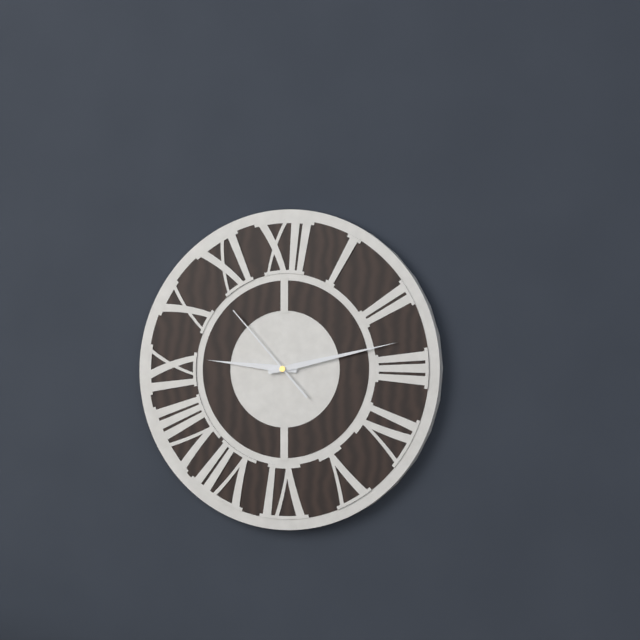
9:13:53
